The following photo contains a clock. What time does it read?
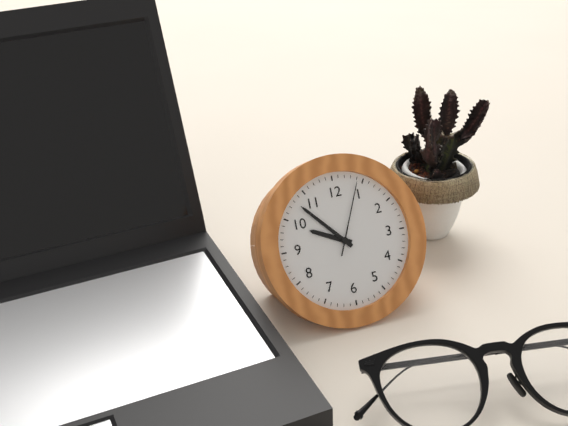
9:53:04
